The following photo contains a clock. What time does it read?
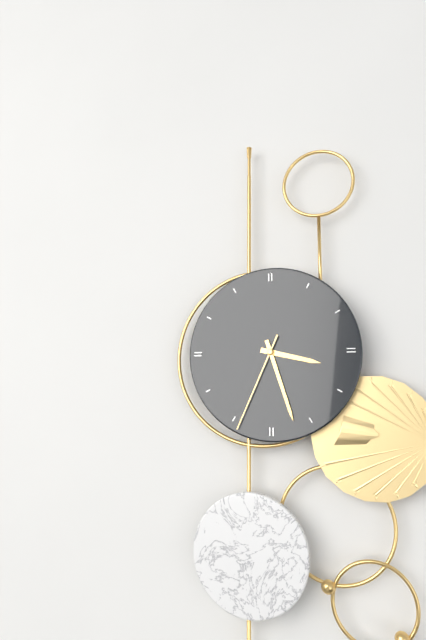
3:27:34
